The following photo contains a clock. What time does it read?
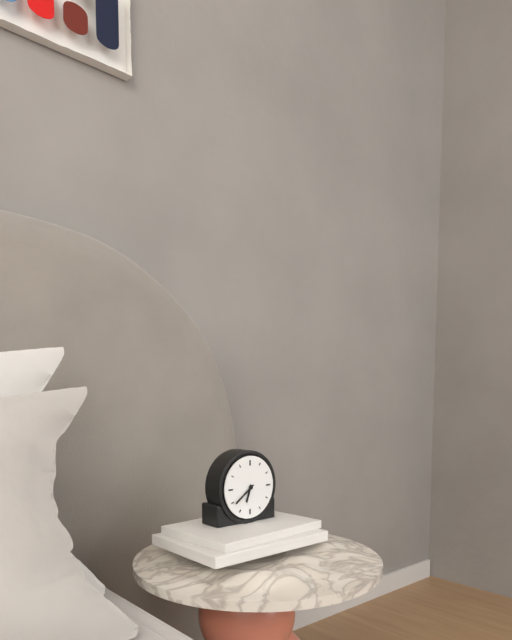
6:39
